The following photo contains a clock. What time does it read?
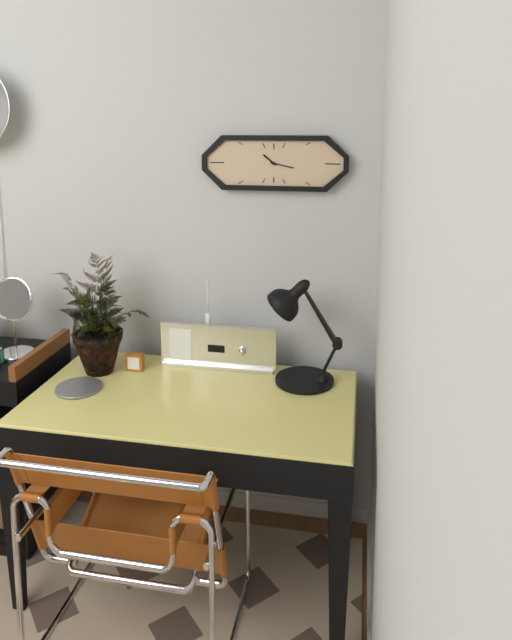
10:17
